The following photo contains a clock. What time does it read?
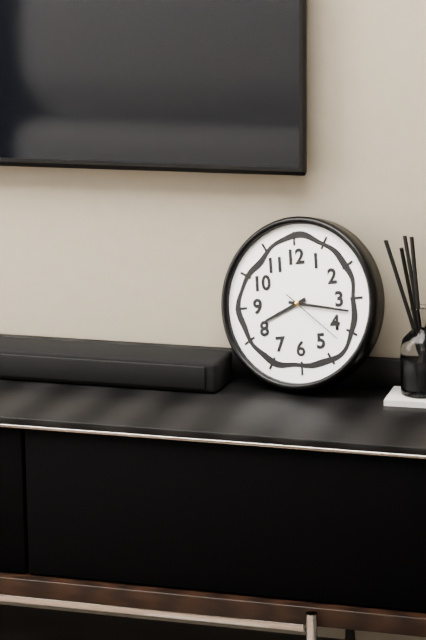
8:17:22
